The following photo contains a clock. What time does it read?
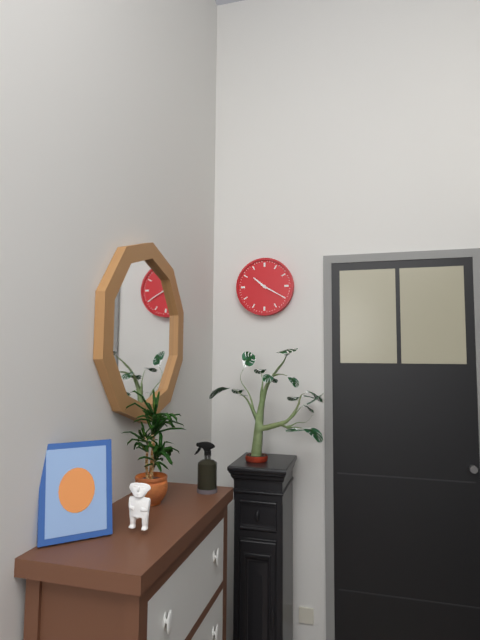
10:20
